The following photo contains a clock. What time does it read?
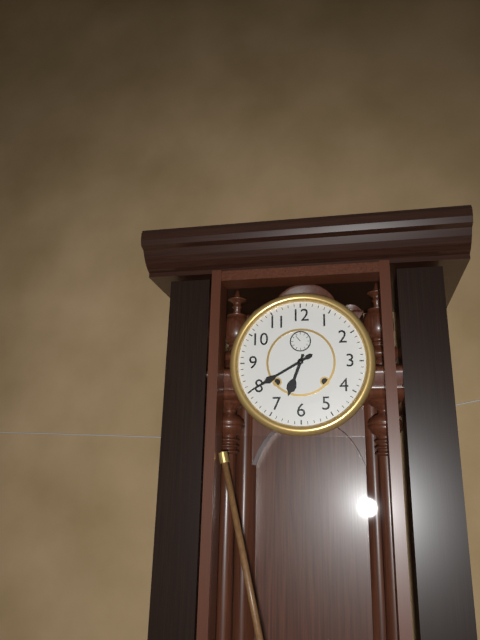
6:40
